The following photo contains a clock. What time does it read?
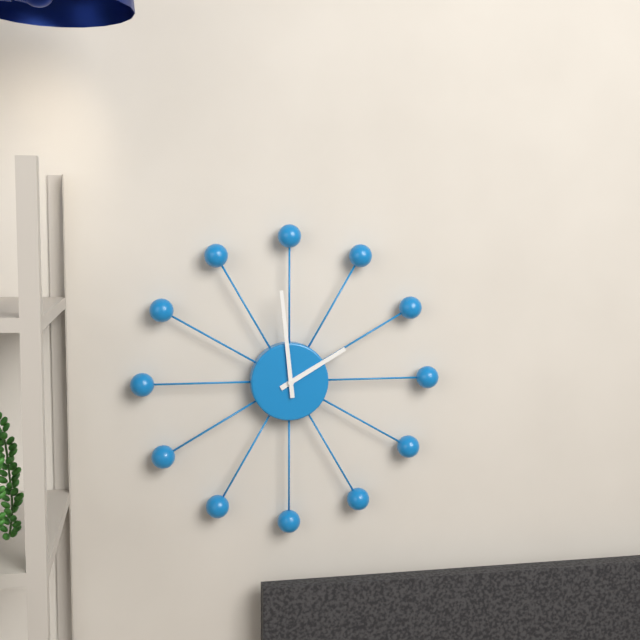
1:59
